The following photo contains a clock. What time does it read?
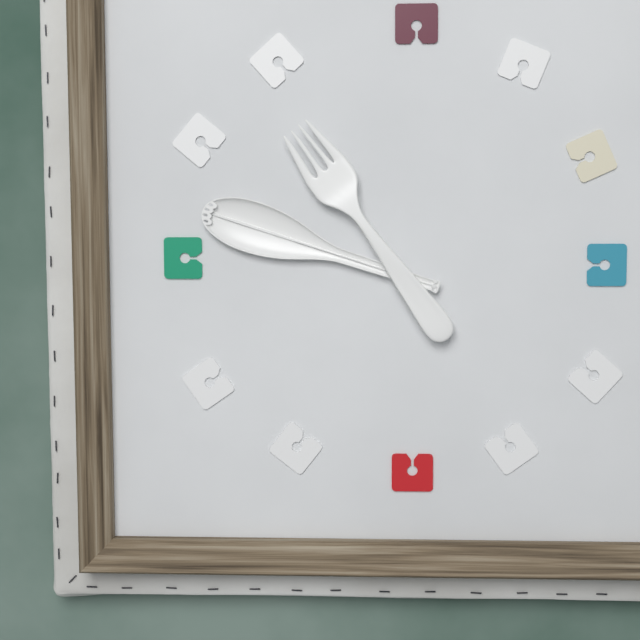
10:48
